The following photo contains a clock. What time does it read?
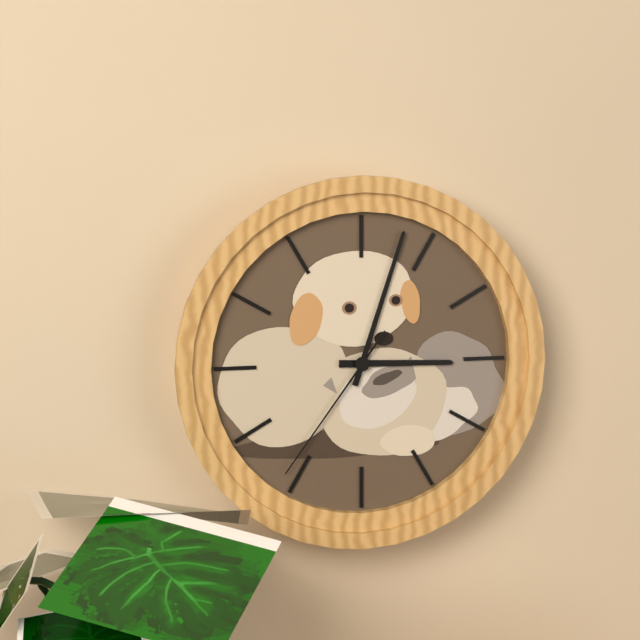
3:03:36
